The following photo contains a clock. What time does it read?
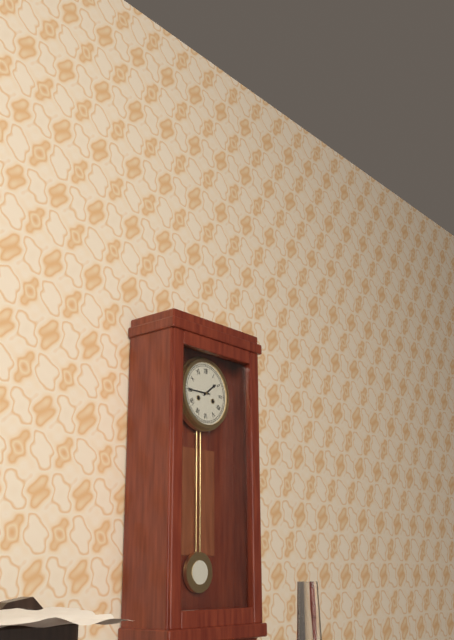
1:45
